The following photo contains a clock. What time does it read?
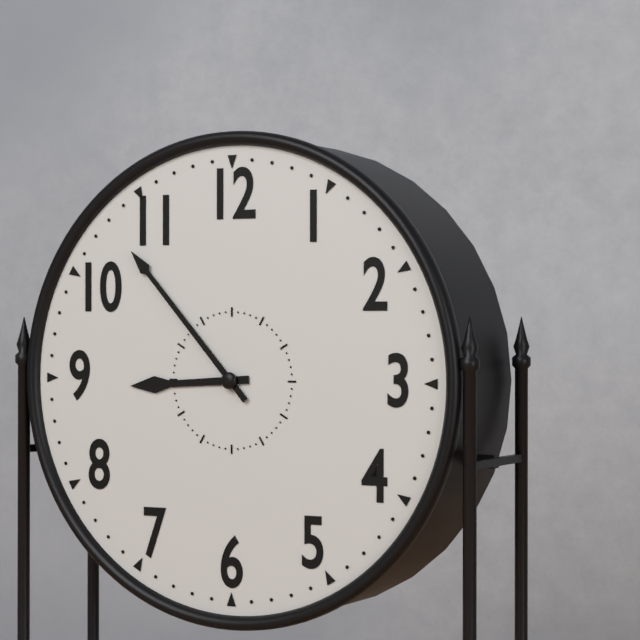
8:53
